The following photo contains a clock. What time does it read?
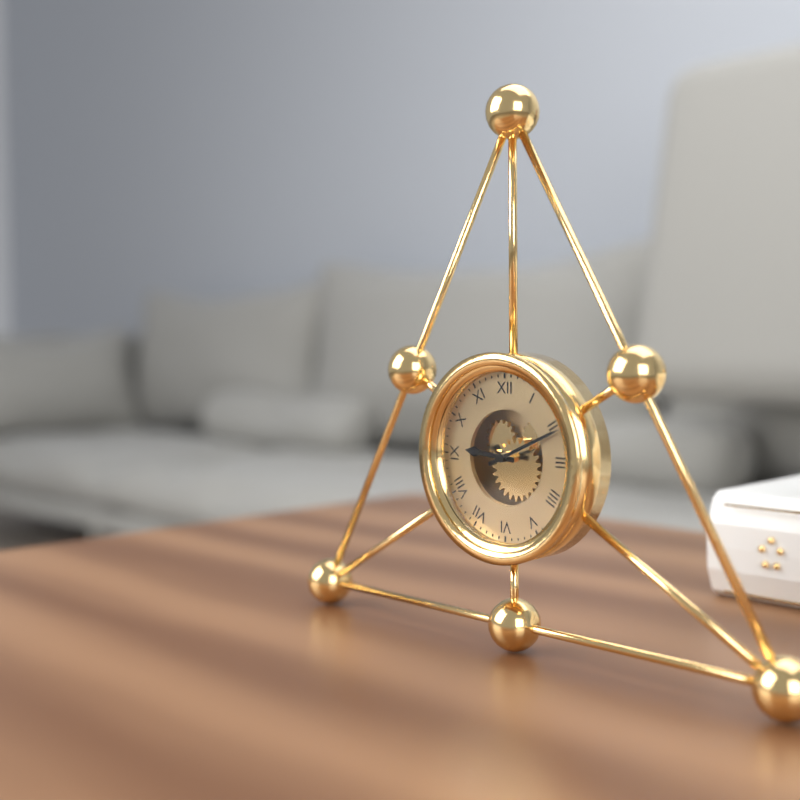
9:11
